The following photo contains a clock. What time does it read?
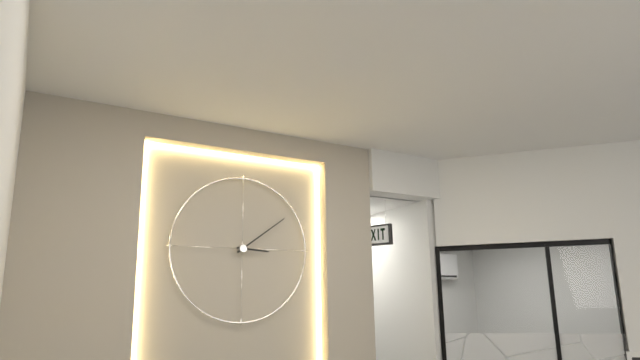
3:09
